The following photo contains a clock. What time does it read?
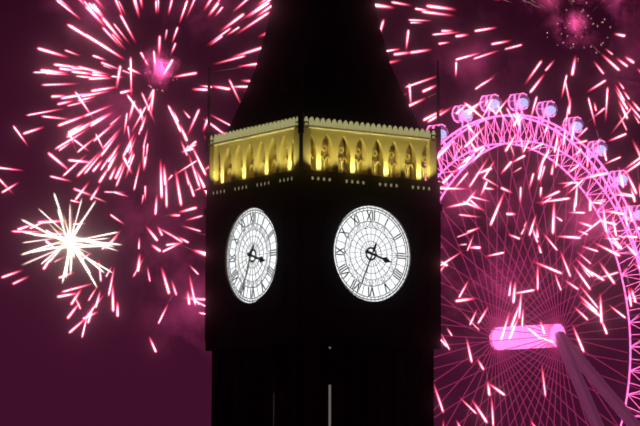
3:34
